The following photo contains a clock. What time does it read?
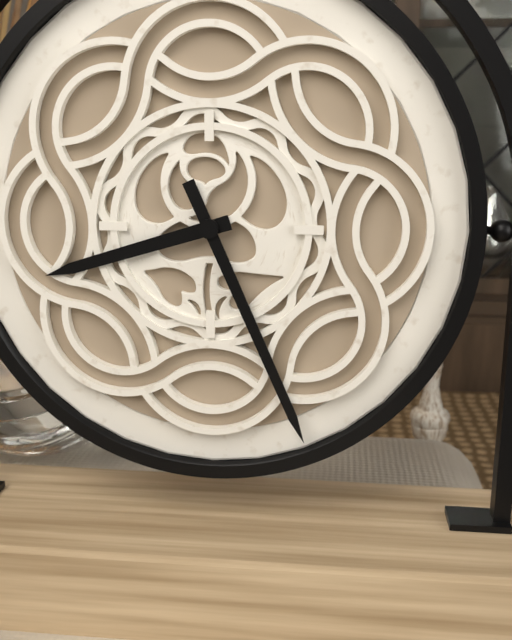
8:26
